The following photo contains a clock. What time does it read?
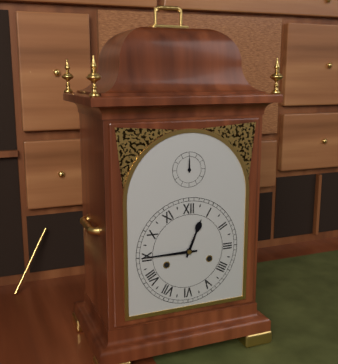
12:45
